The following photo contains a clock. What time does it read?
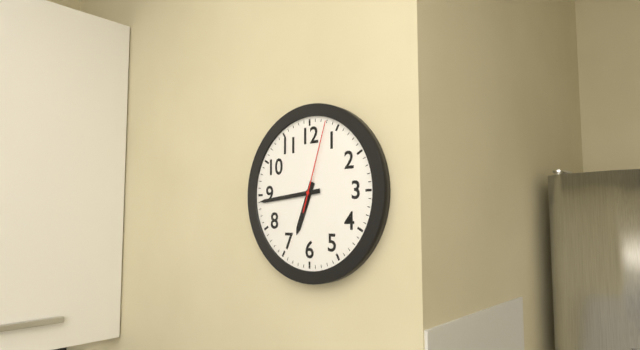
6:44:03
